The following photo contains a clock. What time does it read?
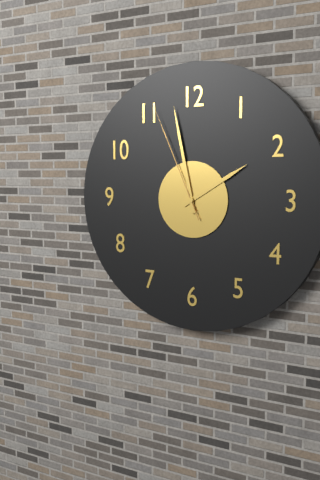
1:58:56
